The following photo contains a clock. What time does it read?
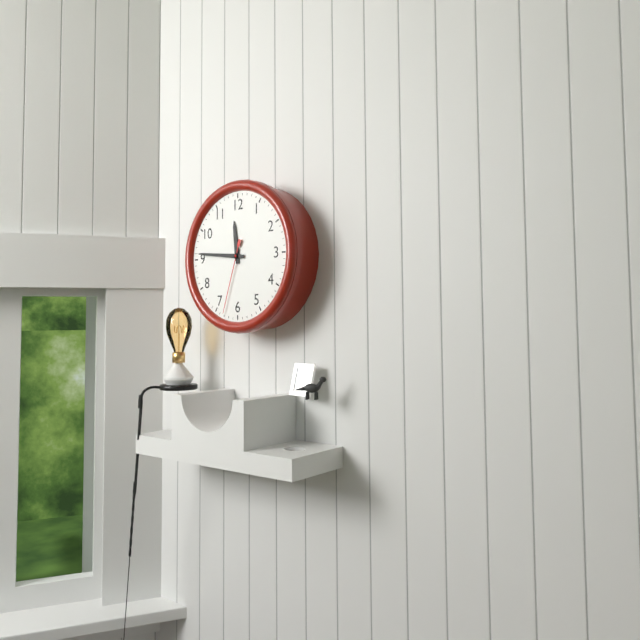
11:46:33
